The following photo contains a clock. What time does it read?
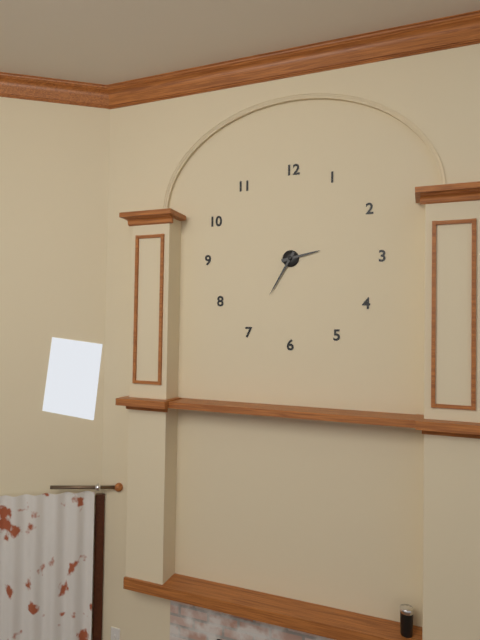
2:35
